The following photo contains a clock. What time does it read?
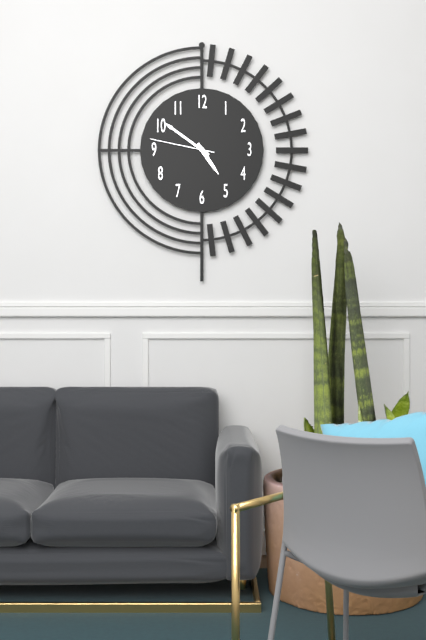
4:51:47
